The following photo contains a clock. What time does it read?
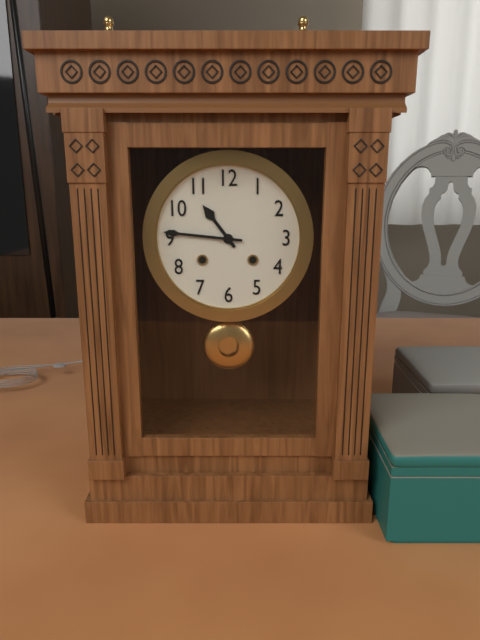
10:46
